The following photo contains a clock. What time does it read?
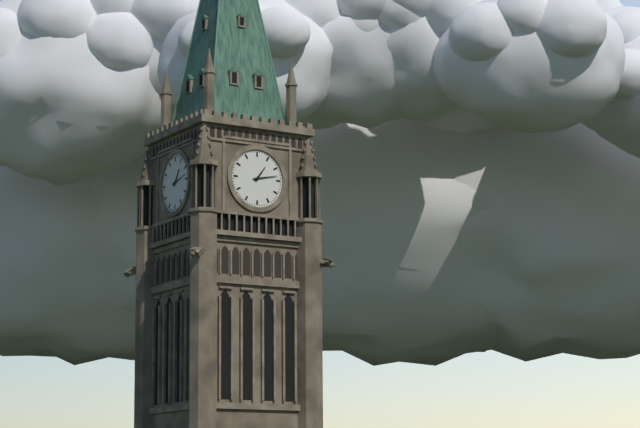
1:13
